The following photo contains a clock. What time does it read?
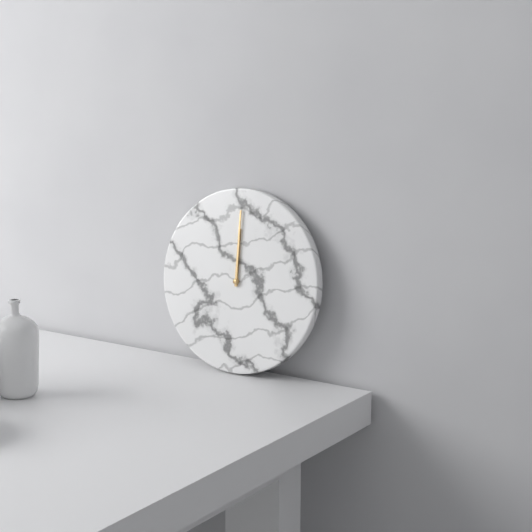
12:00
